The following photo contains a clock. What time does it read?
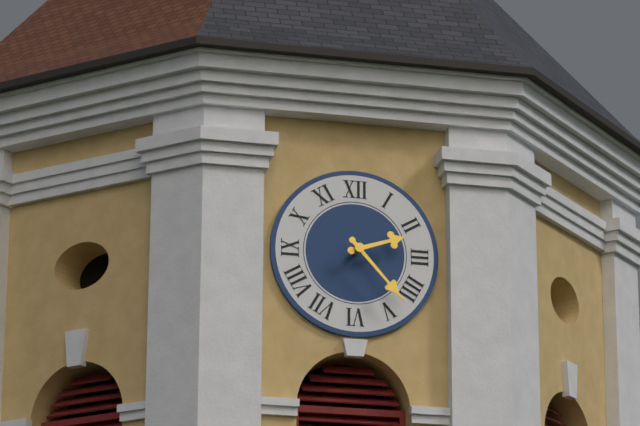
2:23
